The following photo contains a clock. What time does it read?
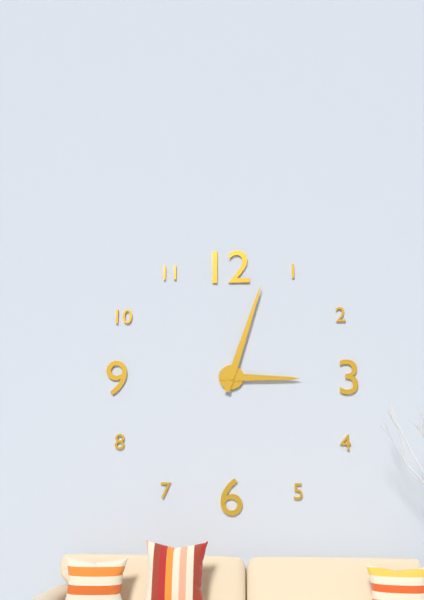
3:03
